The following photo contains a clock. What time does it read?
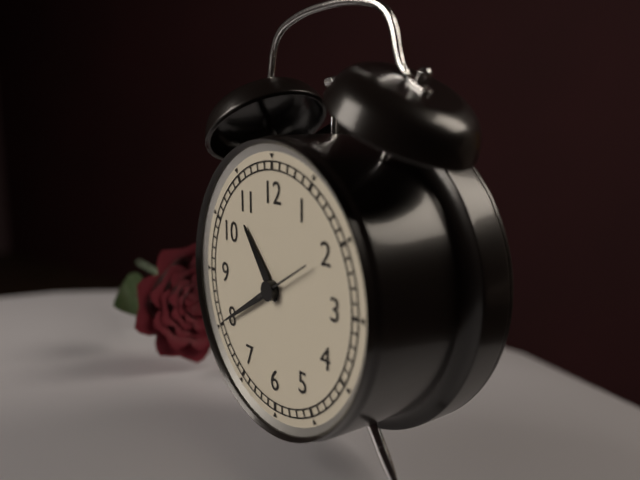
10:40
